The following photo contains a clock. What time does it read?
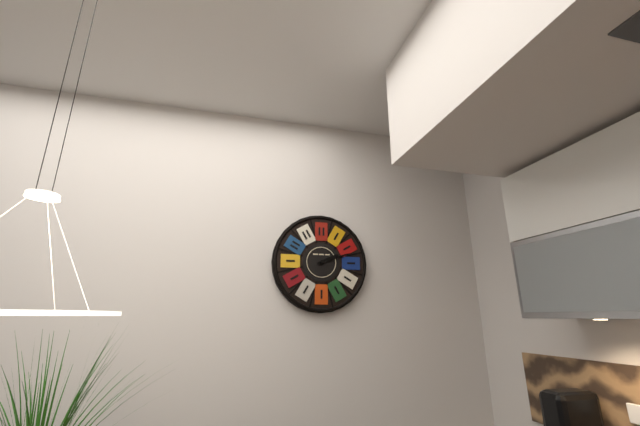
2:12
